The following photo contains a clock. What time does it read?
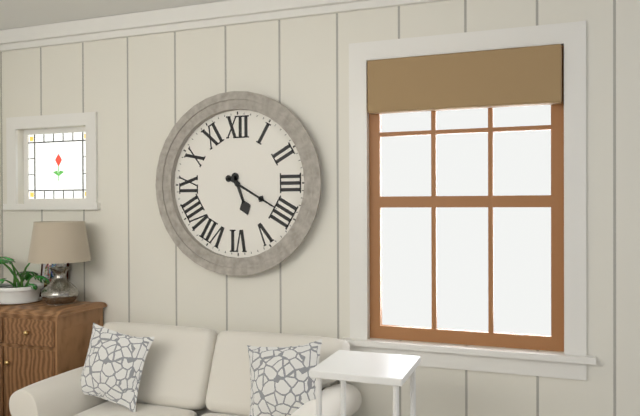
5:20
